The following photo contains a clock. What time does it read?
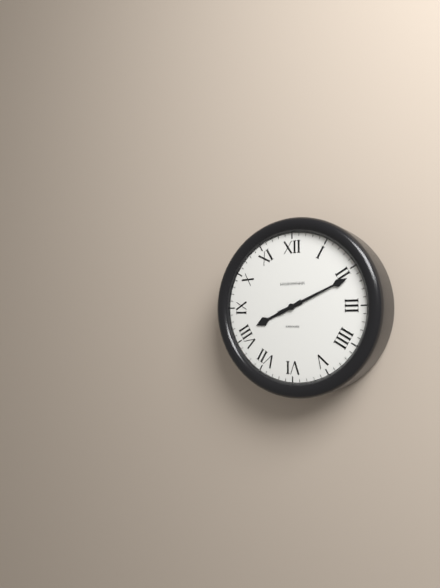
8:11
